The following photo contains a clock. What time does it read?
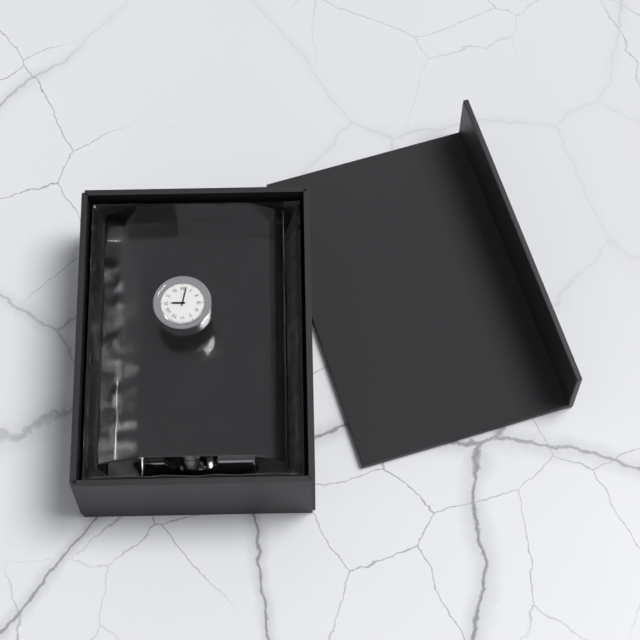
9:02
